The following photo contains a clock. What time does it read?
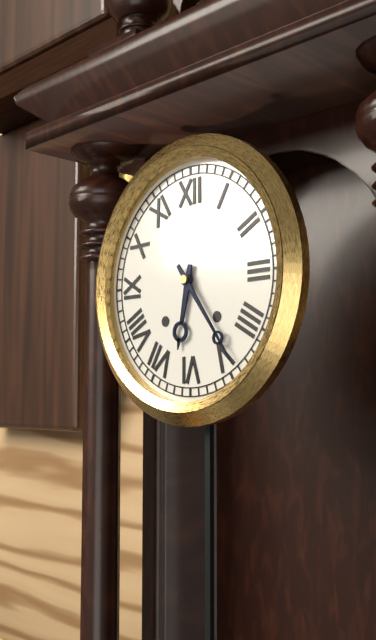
6:24
